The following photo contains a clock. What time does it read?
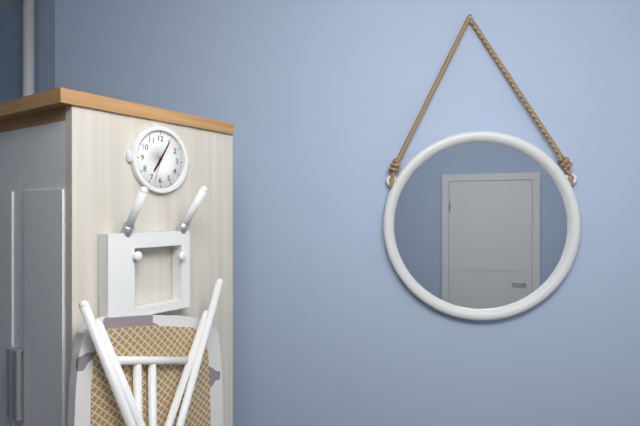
7:05
